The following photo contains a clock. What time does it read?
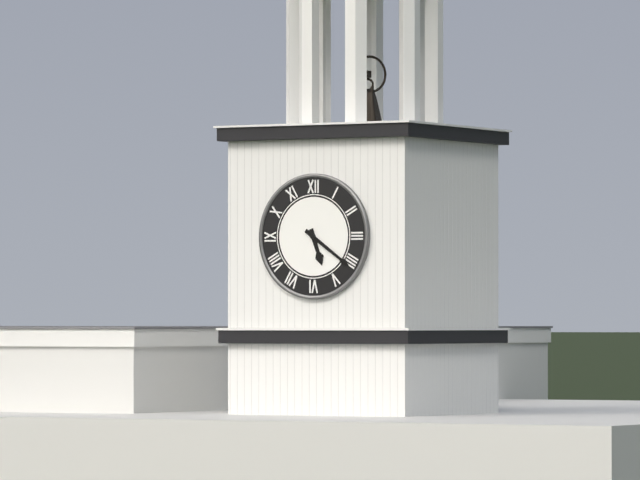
5:21
